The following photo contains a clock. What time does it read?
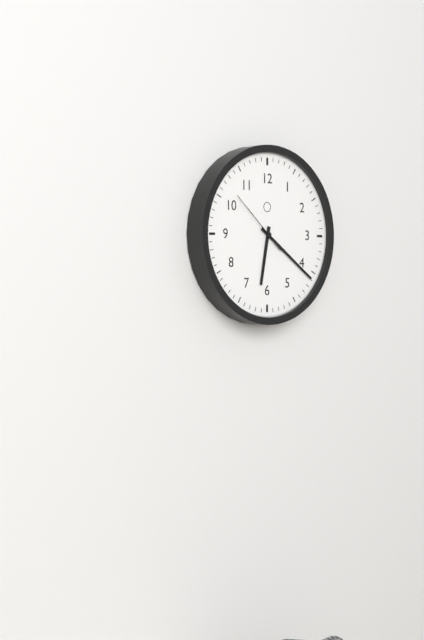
6:21:52
